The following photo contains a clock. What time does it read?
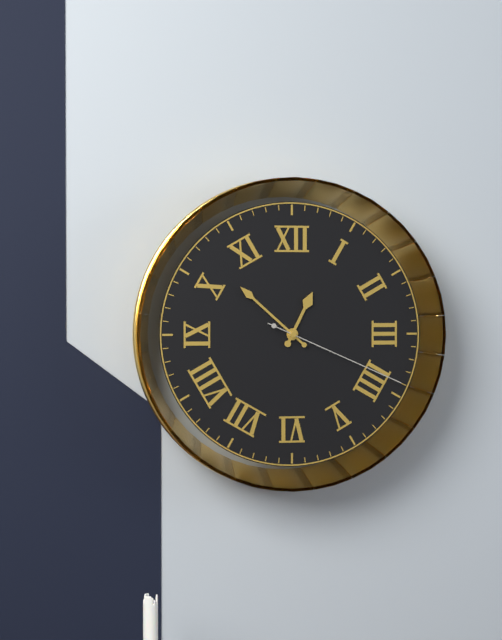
12:52:19
